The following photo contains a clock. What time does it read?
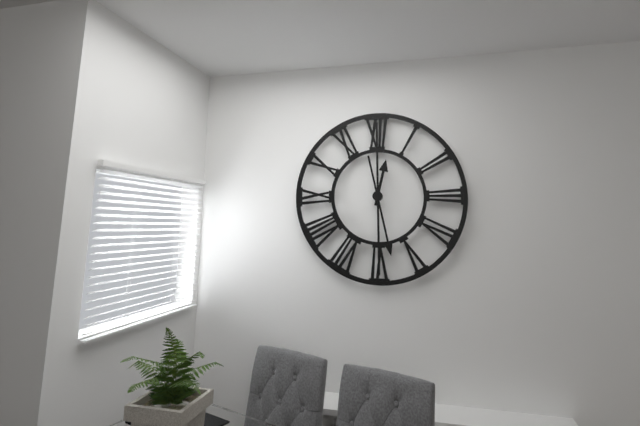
12:28
